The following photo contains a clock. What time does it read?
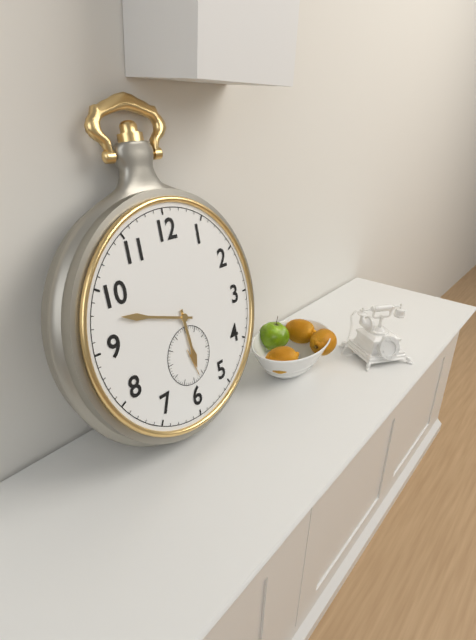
5:48
